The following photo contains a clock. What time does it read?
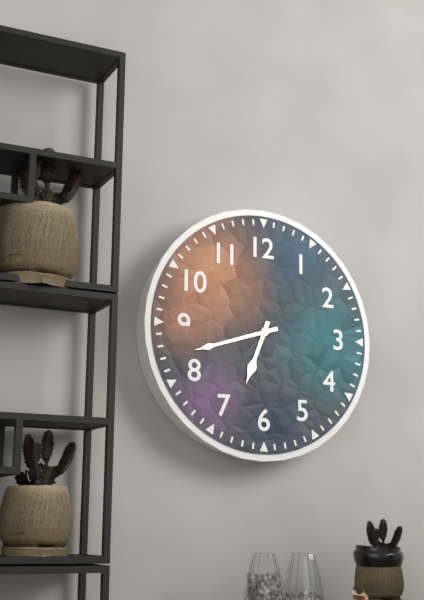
6:42
